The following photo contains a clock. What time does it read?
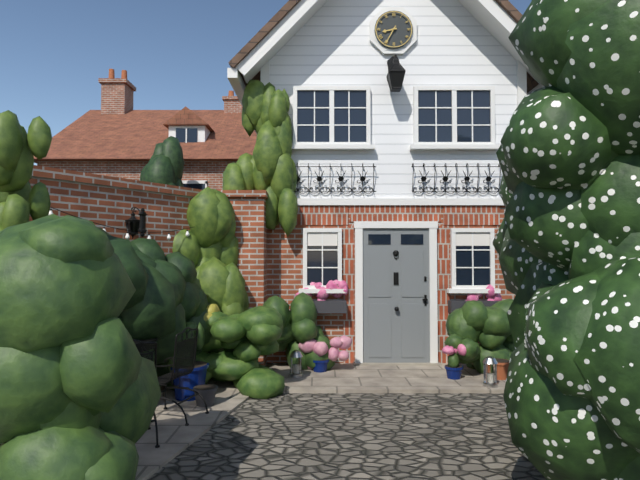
8:35
